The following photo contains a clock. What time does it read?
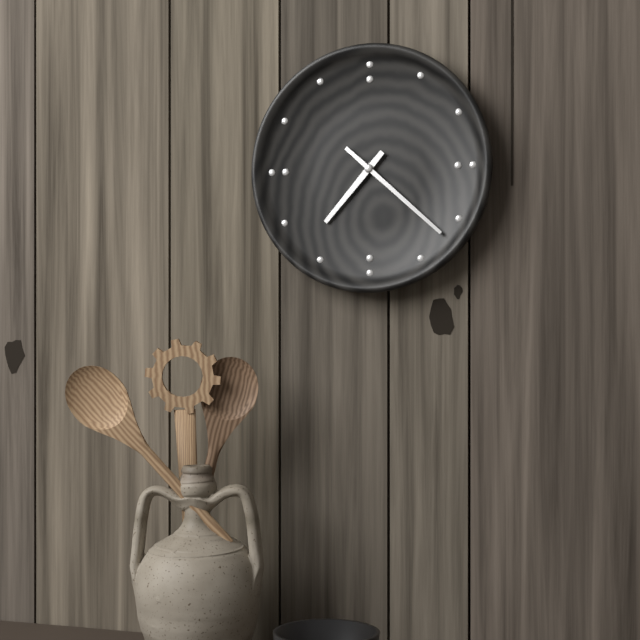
7:22
